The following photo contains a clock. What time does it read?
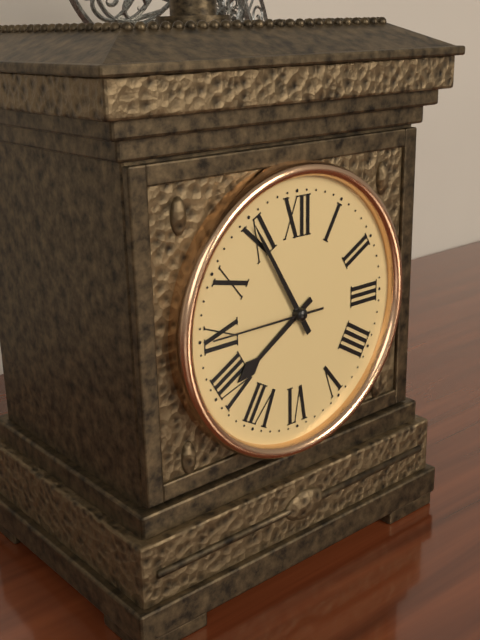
7:55:45
